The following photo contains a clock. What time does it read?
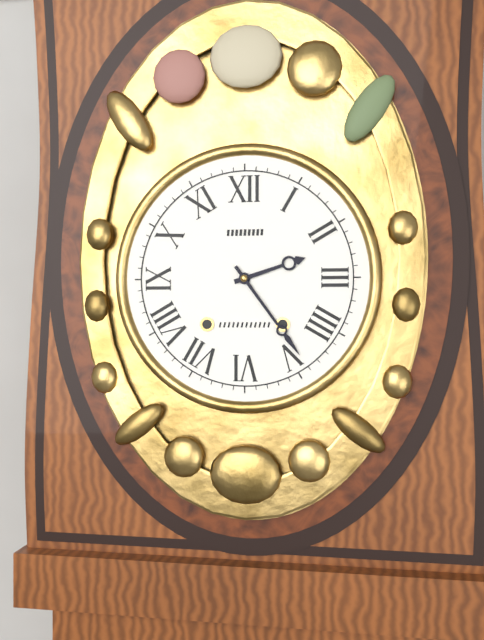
2:24
